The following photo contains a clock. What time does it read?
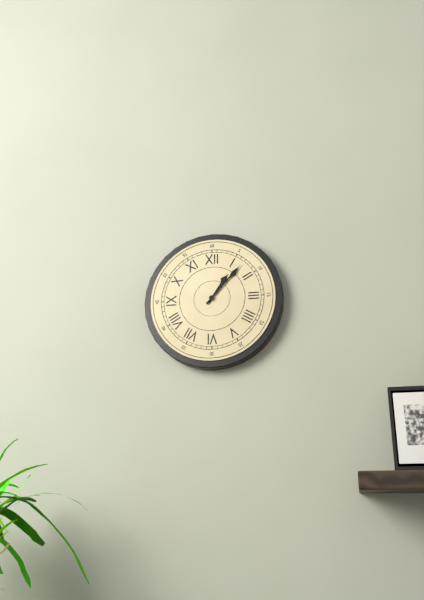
1:07
